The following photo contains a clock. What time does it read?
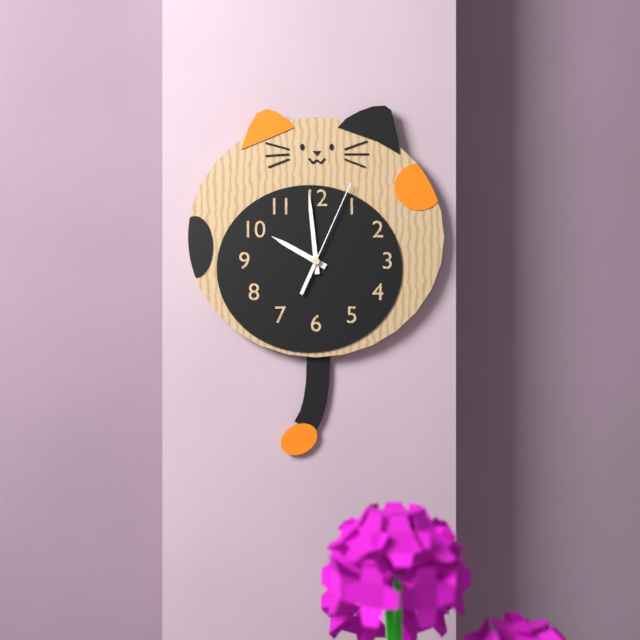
9:59:04
